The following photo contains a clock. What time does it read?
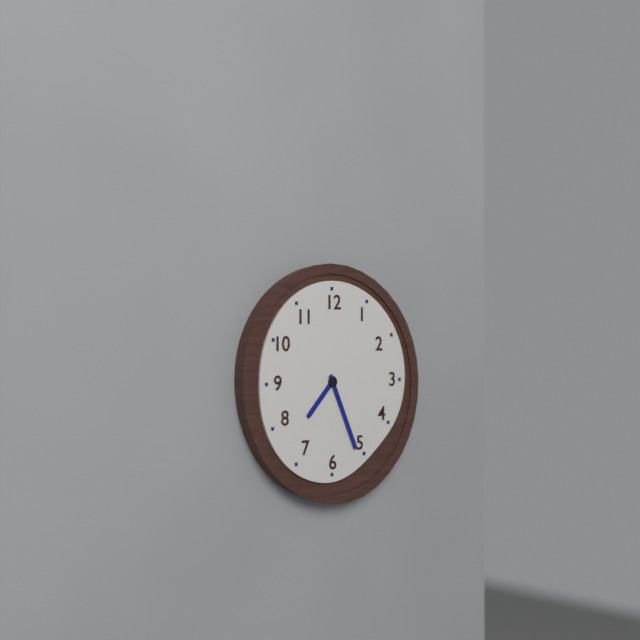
7:26
